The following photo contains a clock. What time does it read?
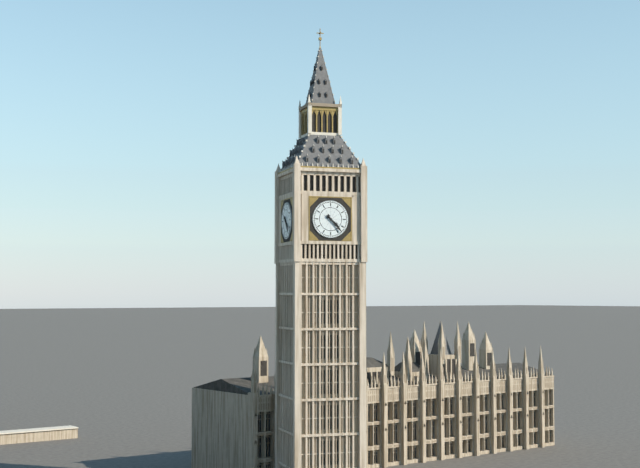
4:23
